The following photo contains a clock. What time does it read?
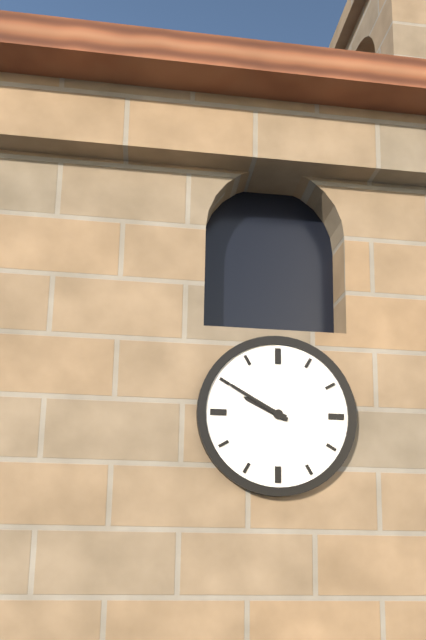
9:50
